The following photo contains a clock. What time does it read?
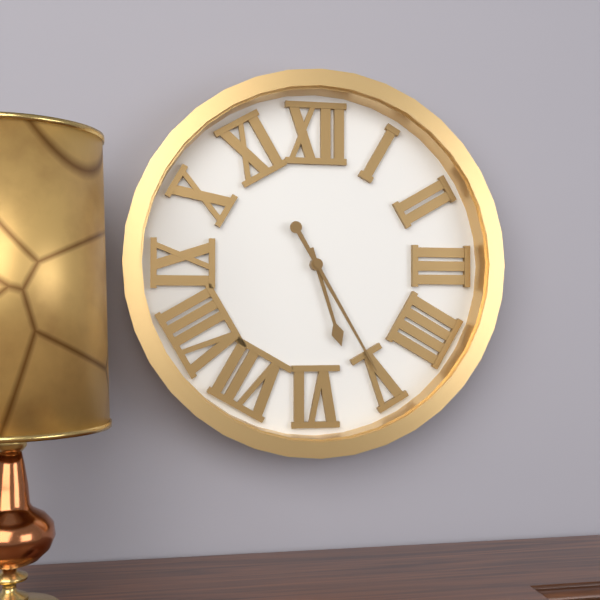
5:25
